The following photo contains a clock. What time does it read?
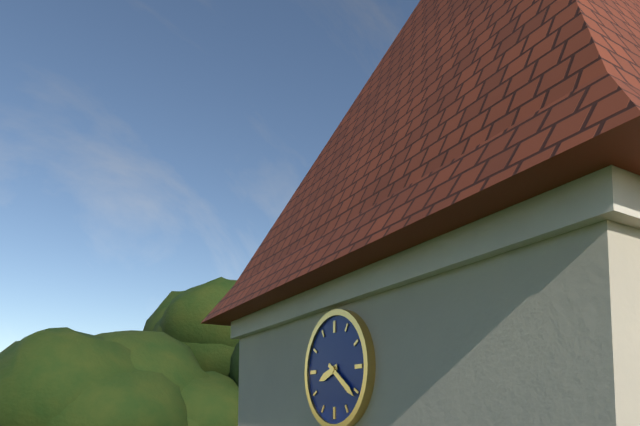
8:21
